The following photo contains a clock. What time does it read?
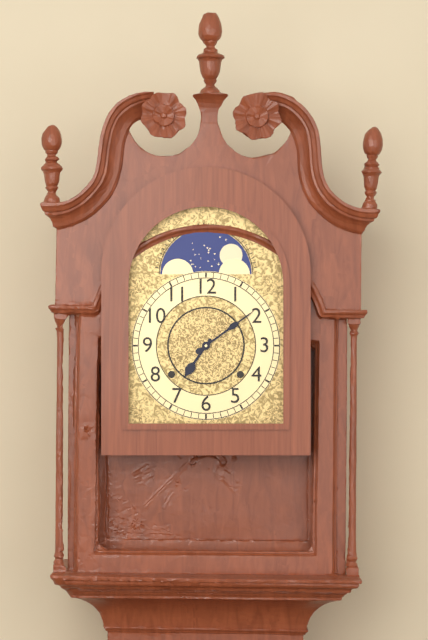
7:09
